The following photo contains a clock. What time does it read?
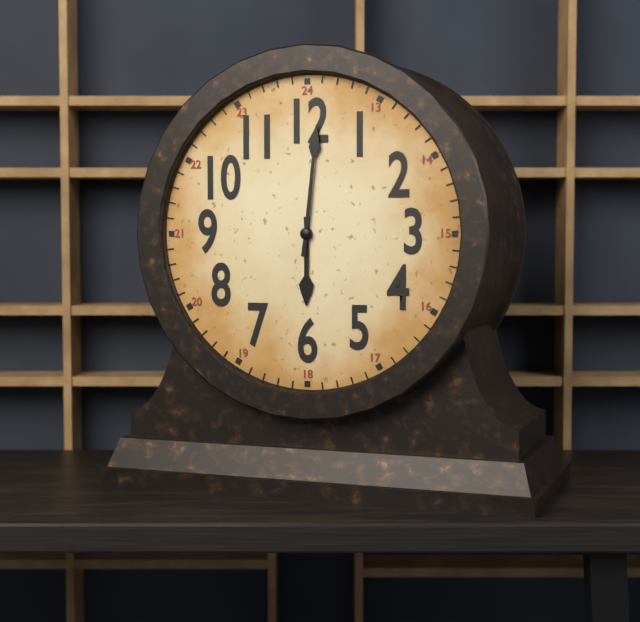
6:01
